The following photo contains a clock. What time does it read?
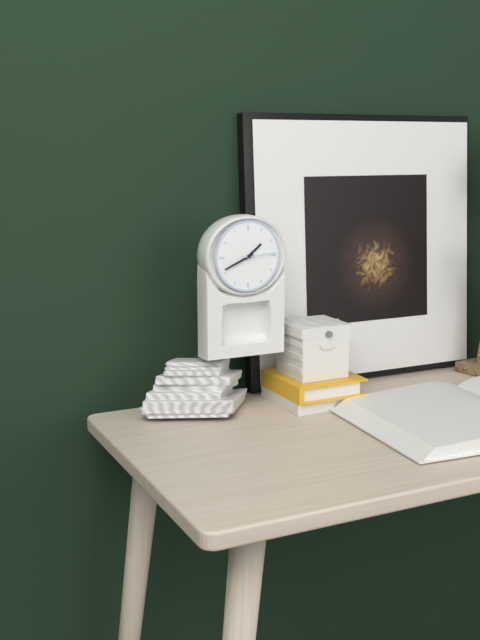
1:41
